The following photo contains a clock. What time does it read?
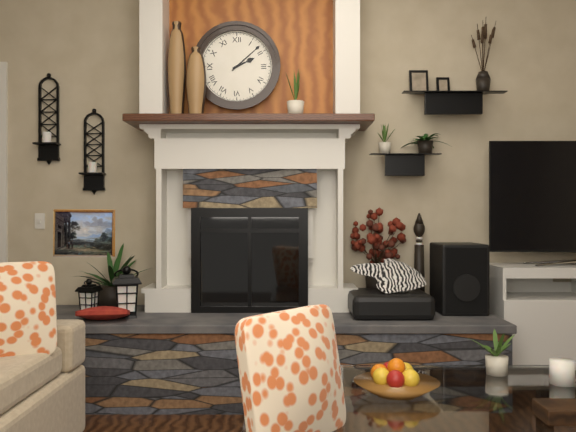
2:08
